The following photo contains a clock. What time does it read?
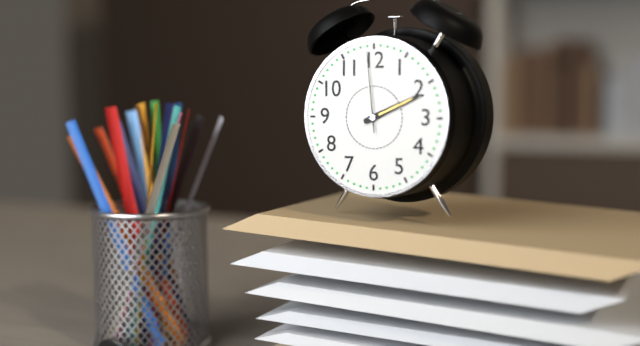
2:11:59
